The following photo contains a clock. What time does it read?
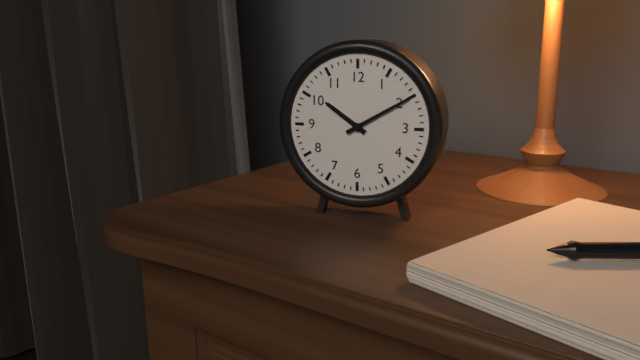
10:10
